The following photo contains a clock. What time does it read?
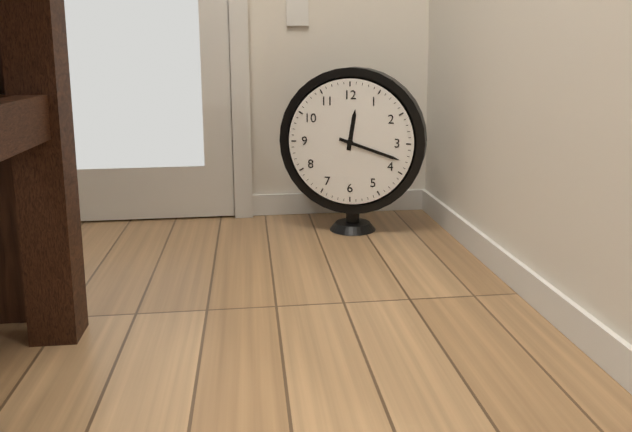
12:18
